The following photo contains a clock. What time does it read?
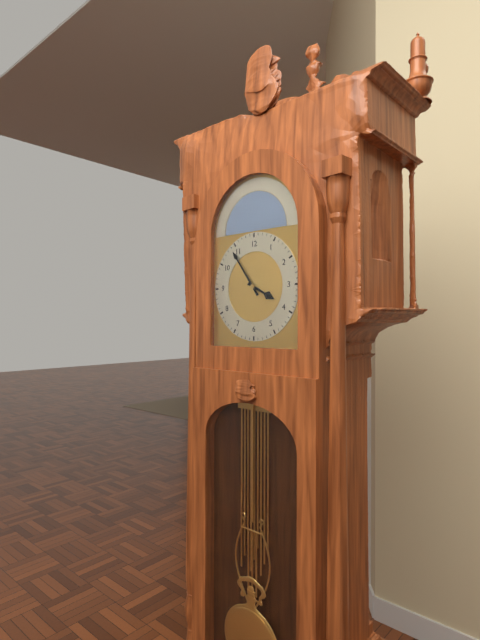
3:54
